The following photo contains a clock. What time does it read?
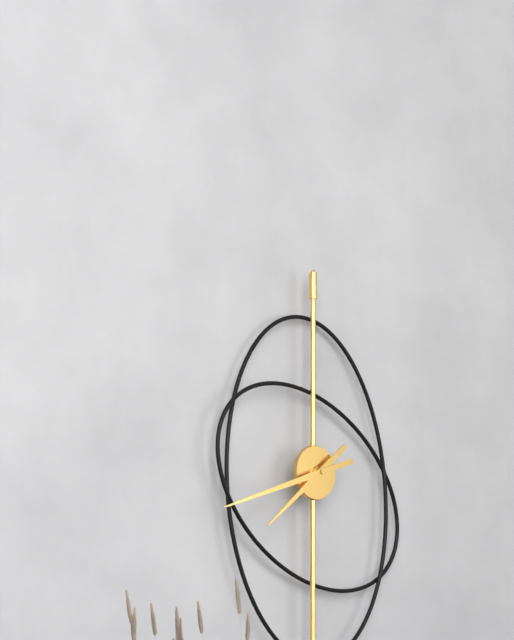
7:42
